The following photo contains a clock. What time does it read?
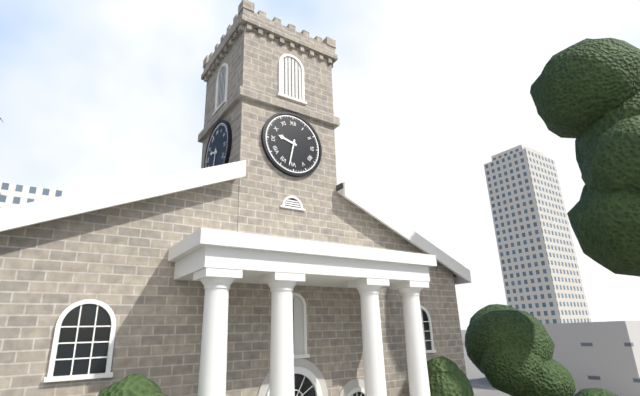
9:32
